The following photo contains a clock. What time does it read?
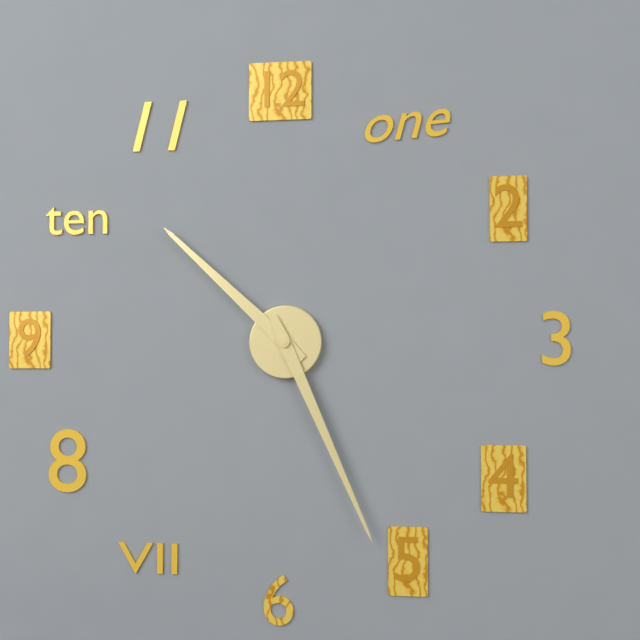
10:26
